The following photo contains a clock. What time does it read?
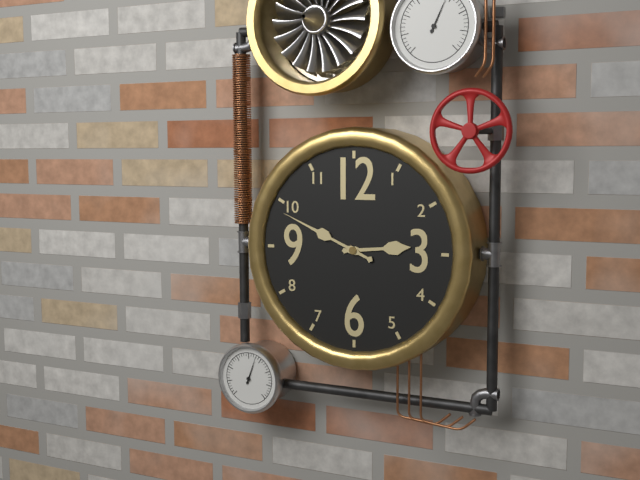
2:49
